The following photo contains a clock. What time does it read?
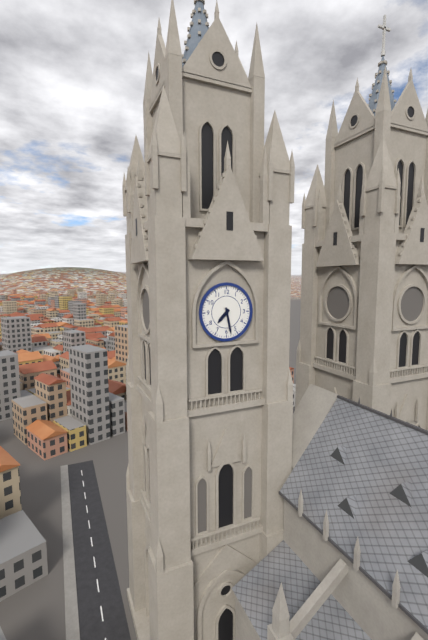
7:28
